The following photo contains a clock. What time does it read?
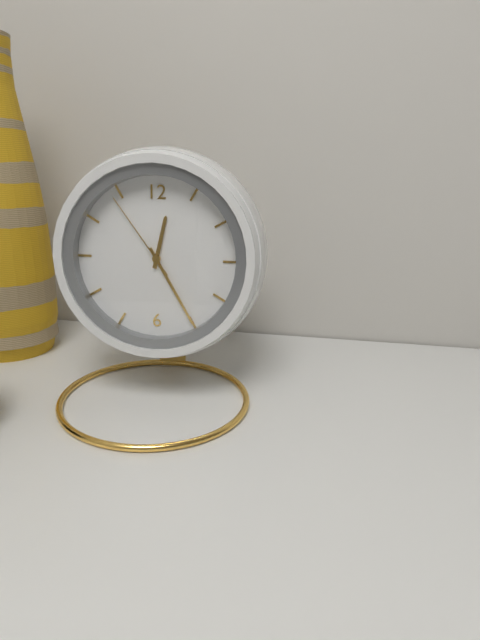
12:25:54
